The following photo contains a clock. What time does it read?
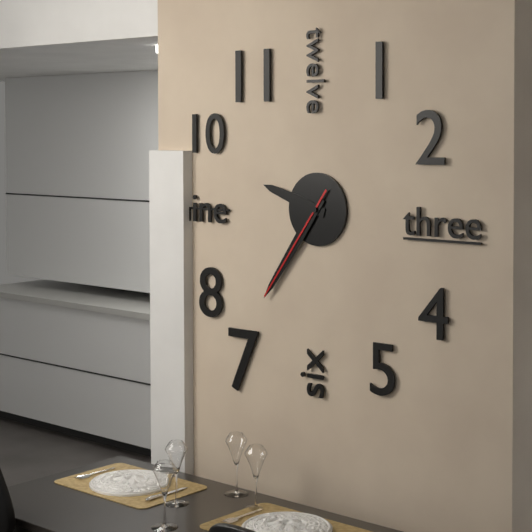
9:36:36
